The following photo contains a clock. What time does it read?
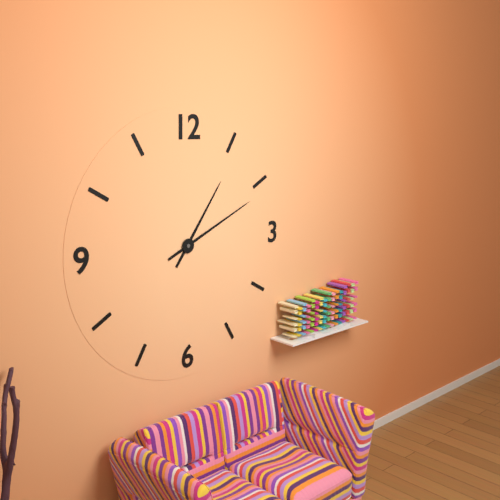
1:11
